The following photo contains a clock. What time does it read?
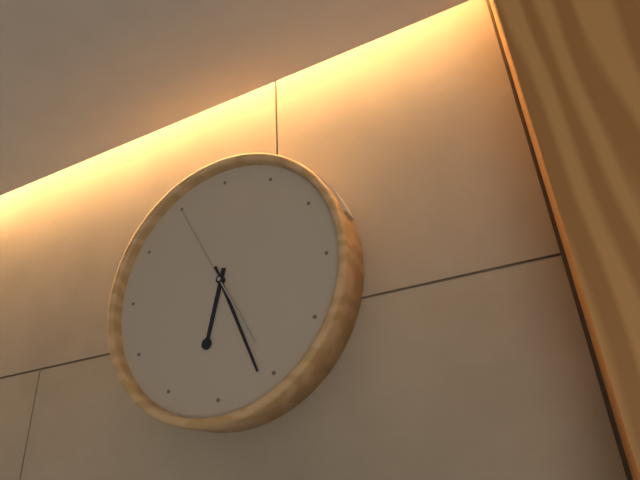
6:26:55
